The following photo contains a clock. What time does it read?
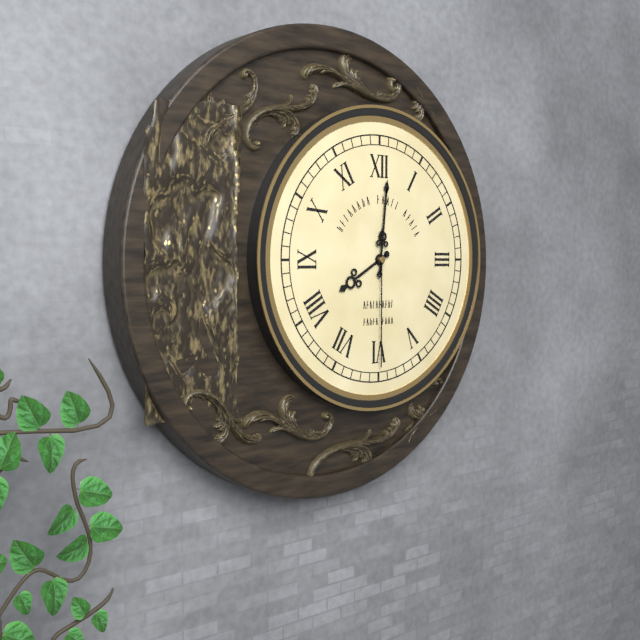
8:01:30
